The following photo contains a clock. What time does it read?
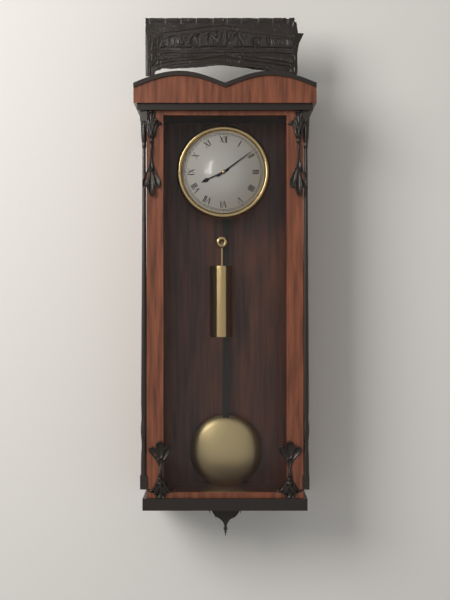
8:09
